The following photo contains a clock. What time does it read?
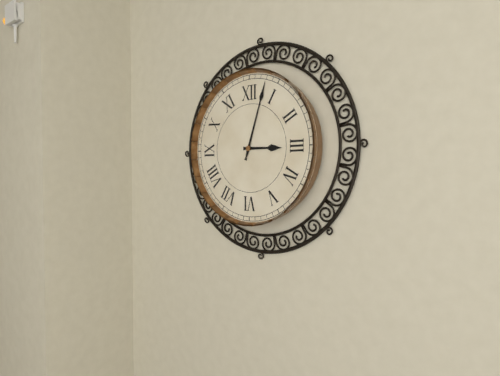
3:03
